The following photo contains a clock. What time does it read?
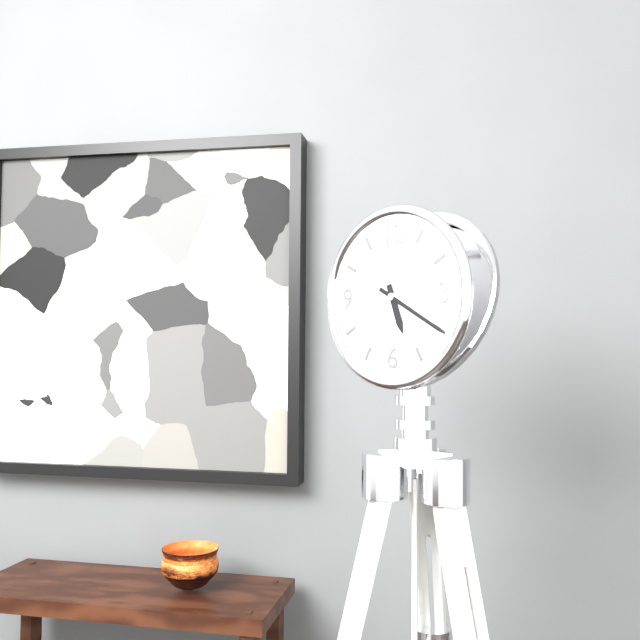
5:20
